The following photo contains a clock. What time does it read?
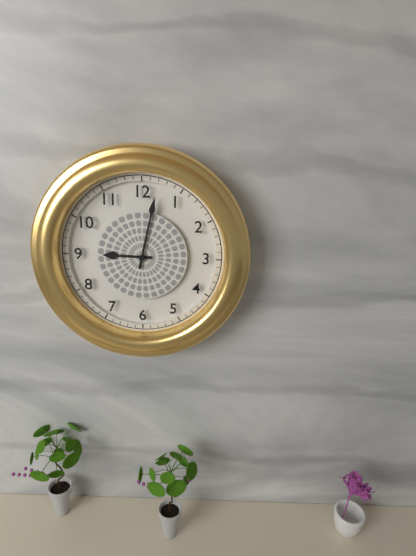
9:02
